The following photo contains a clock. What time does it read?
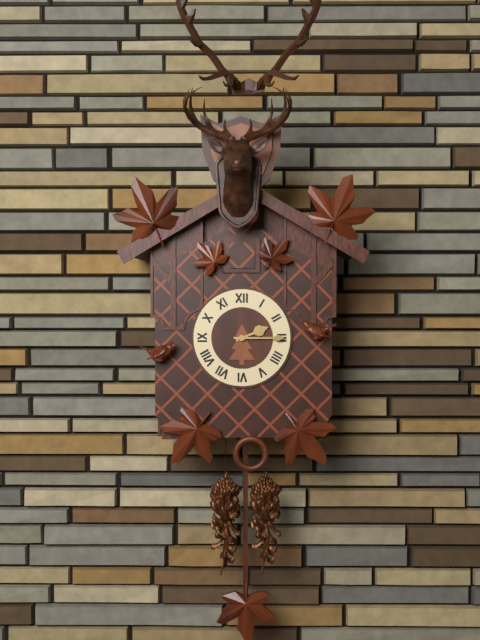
2:15
